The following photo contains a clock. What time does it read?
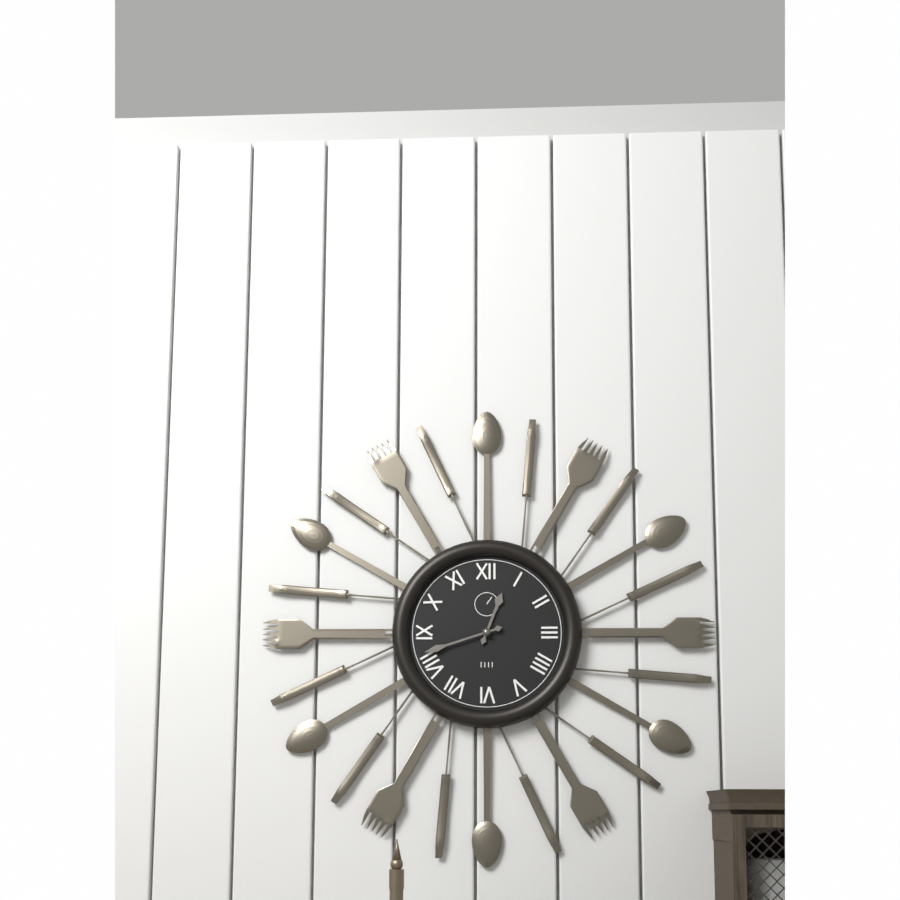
12:42
